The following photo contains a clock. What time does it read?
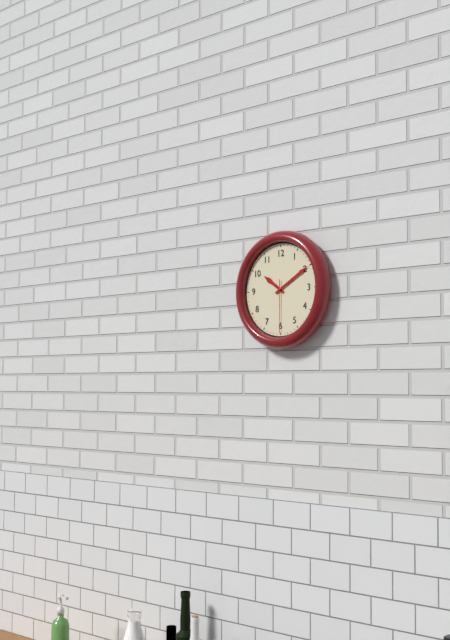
10:10:30
